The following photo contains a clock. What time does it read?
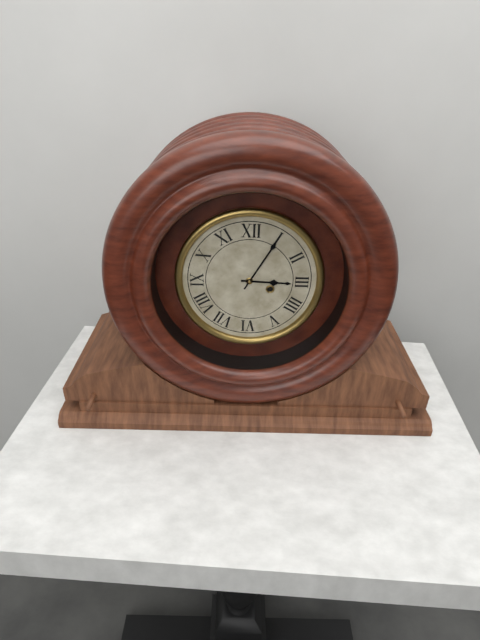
3:05
